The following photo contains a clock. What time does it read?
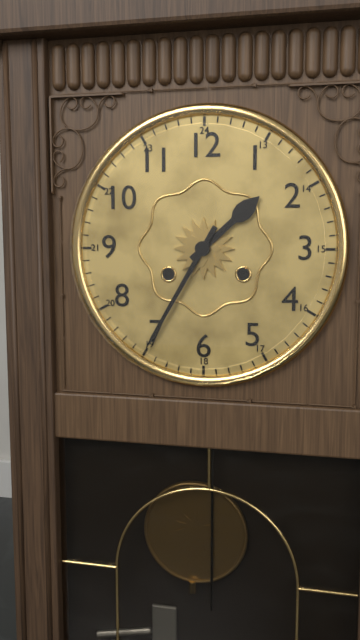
1:35
